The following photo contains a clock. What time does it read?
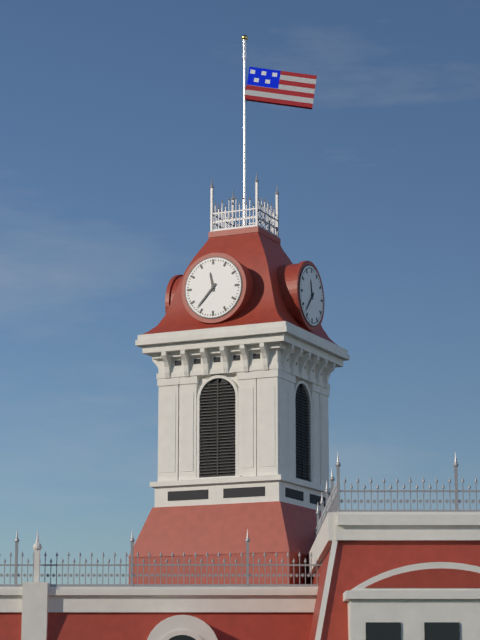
11:37
